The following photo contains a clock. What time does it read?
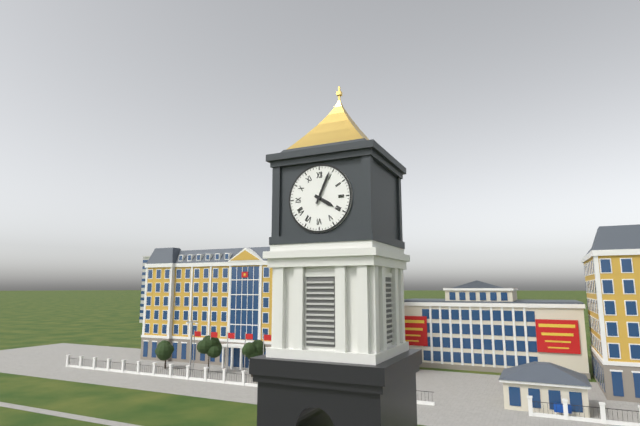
4:04
